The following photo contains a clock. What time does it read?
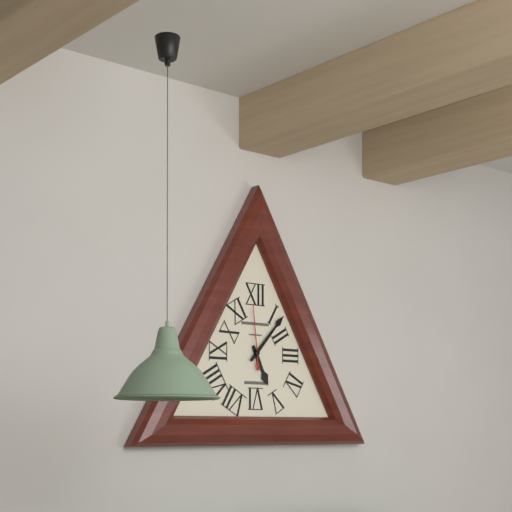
5:07:59
